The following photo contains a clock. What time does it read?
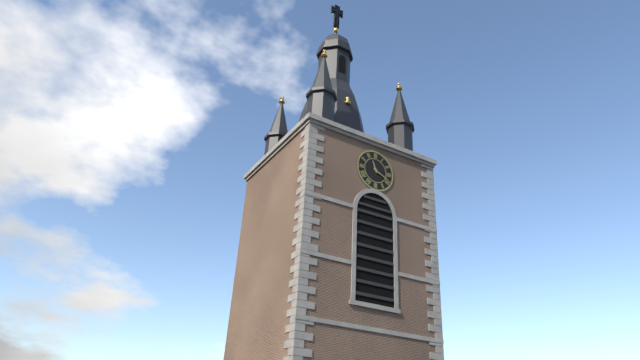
11:19
